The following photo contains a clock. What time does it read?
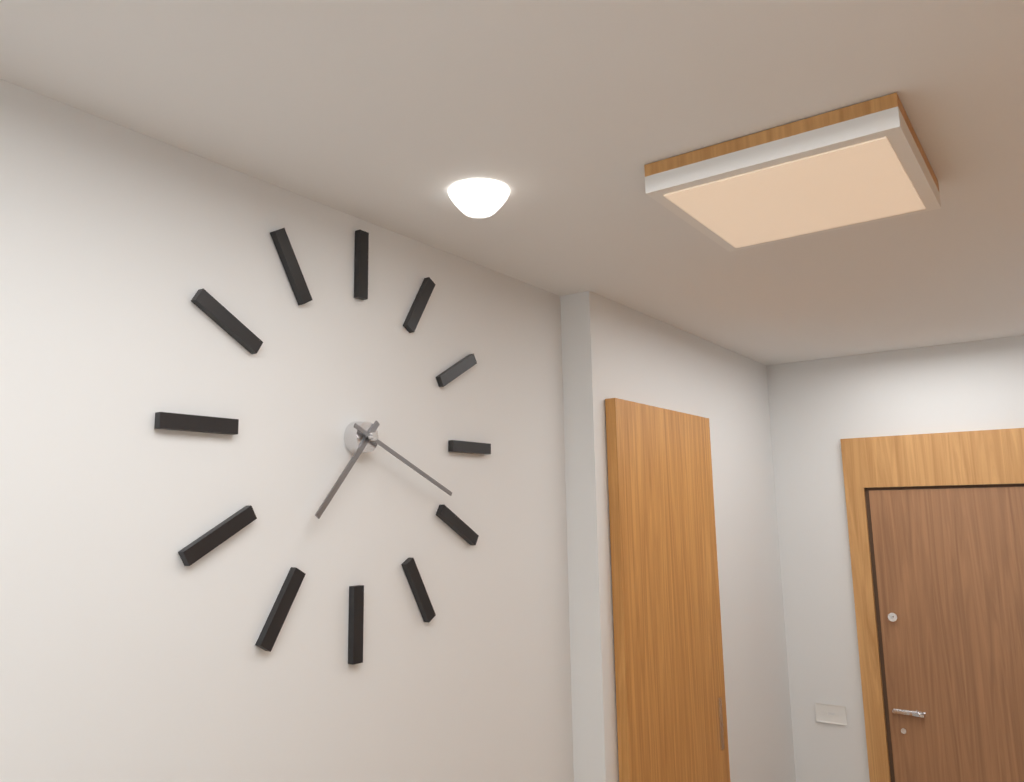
7:19
